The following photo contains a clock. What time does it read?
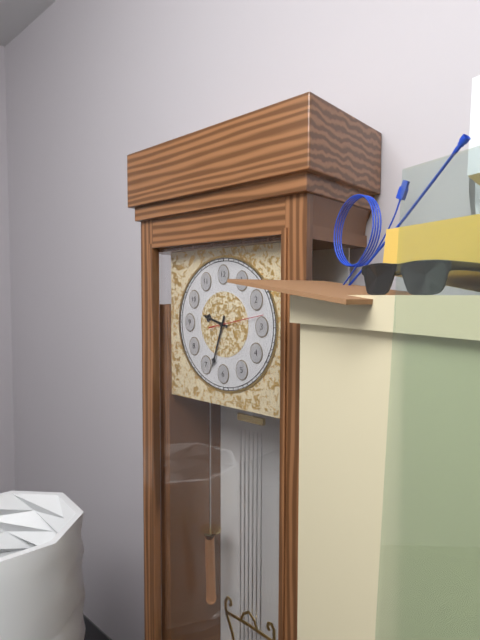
9:33:13
